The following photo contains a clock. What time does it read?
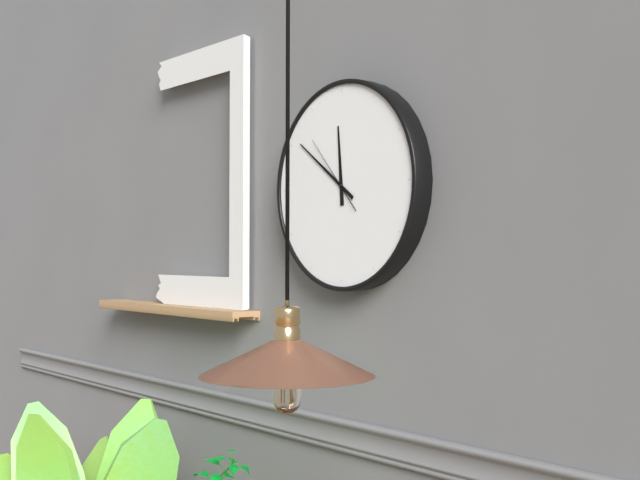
11:51:53
